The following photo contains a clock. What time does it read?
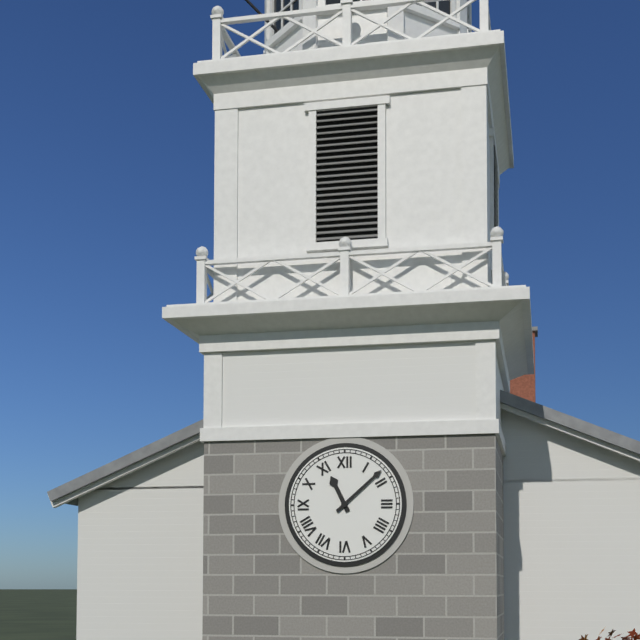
11:08
